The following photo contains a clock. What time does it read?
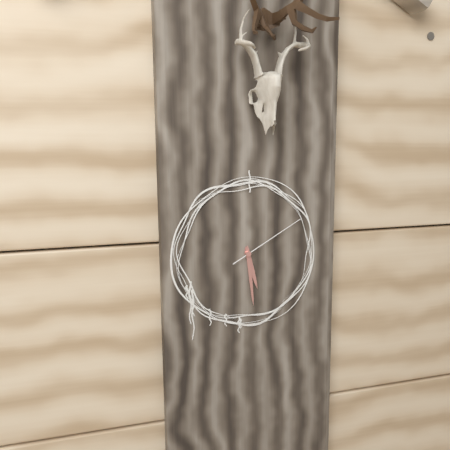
5:29:10
